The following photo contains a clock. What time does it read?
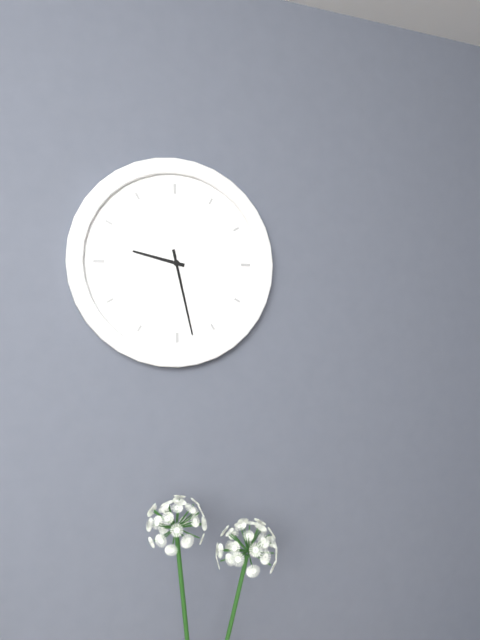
9:28
